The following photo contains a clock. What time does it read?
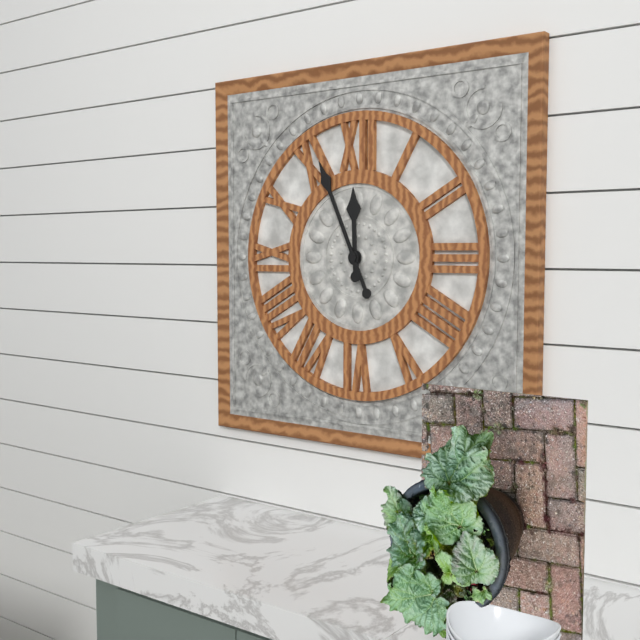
11:56
